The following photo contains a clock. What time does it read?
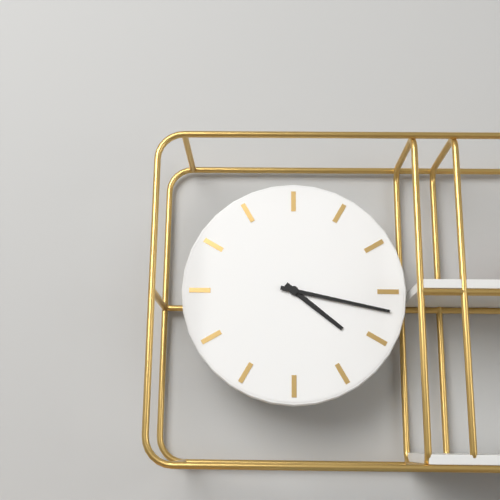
4:17
